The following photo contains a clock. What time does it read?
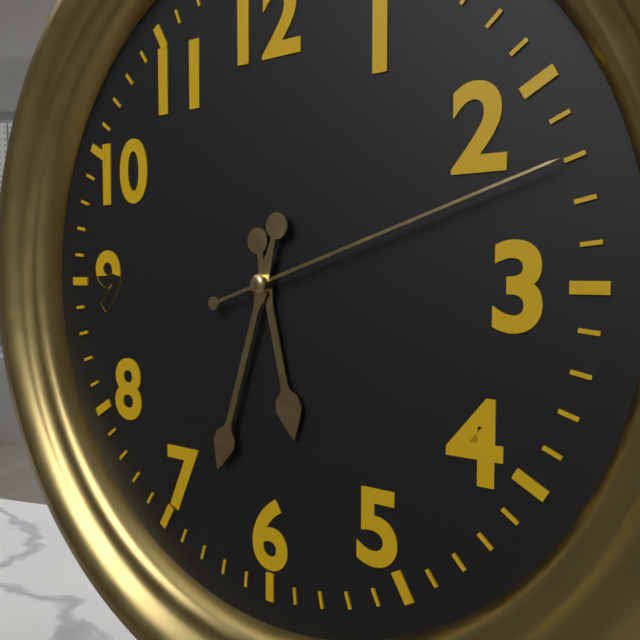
5:33:12
